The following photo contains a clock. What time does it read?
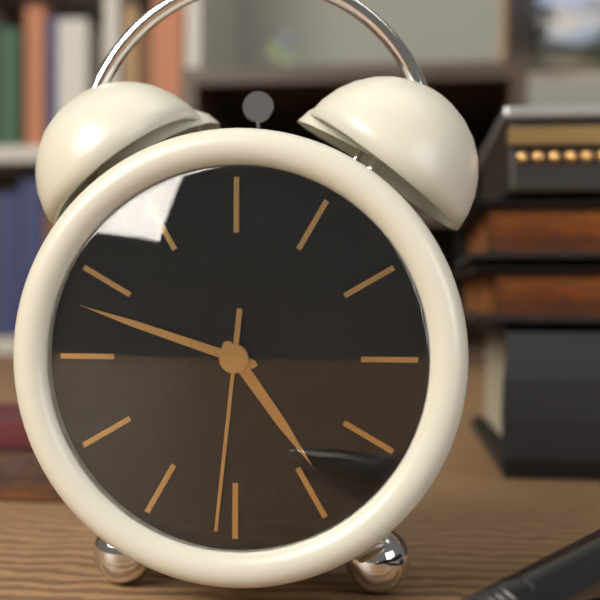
4:48:31
